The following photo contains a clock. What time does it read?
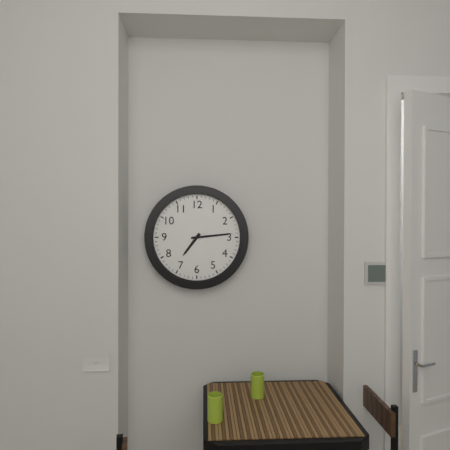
7:14
